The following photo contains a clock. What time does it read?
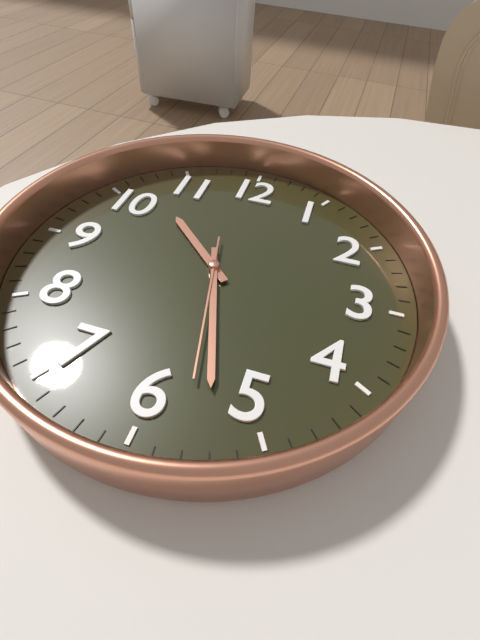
10:27:28
